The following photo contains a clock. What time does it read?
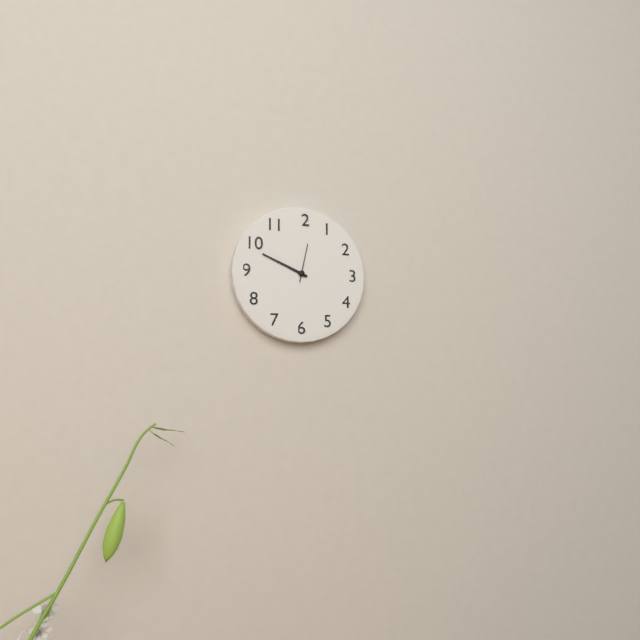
9:49
